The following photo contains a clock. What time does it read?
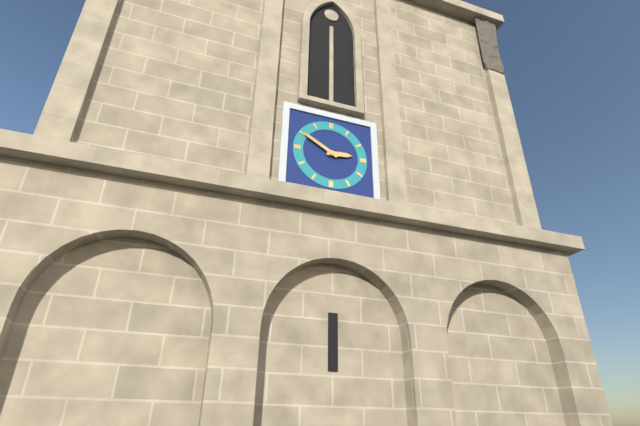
2:50
